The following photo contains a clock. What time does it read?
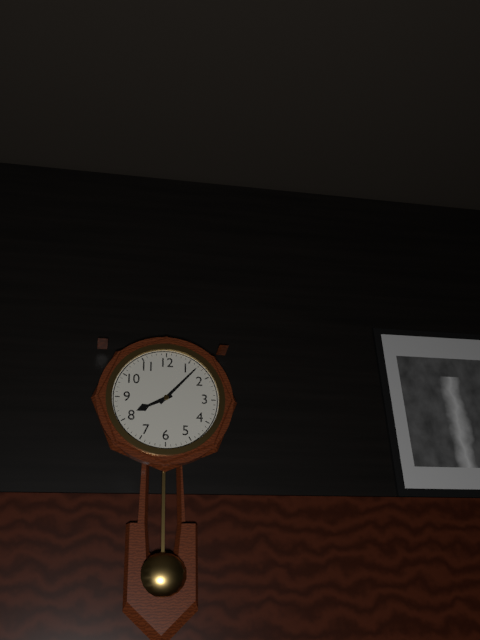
8:07
